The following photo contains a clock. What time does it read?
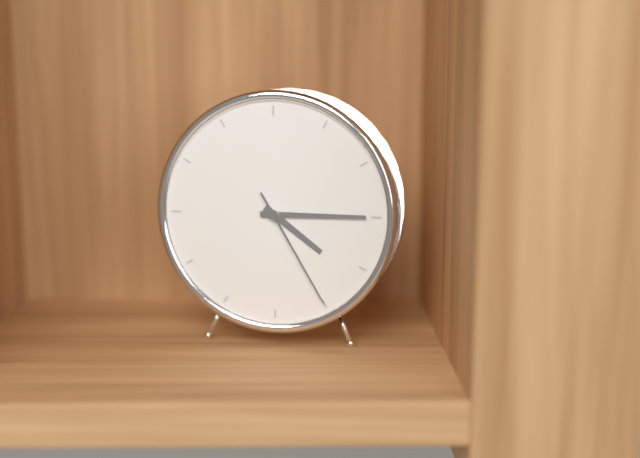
4:15:25
